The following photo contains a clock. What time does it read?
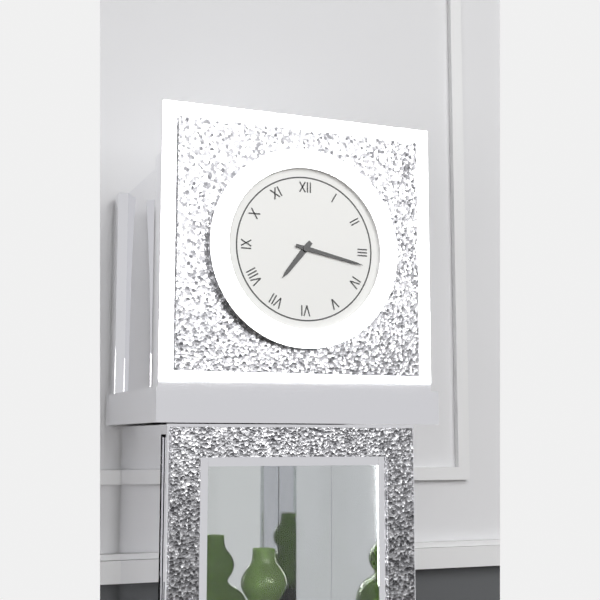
7:17
